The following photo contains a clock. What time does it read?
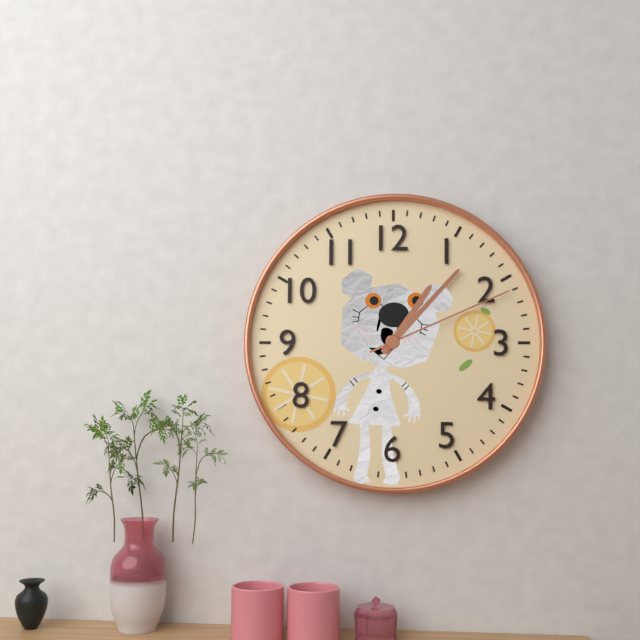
1:07:11
